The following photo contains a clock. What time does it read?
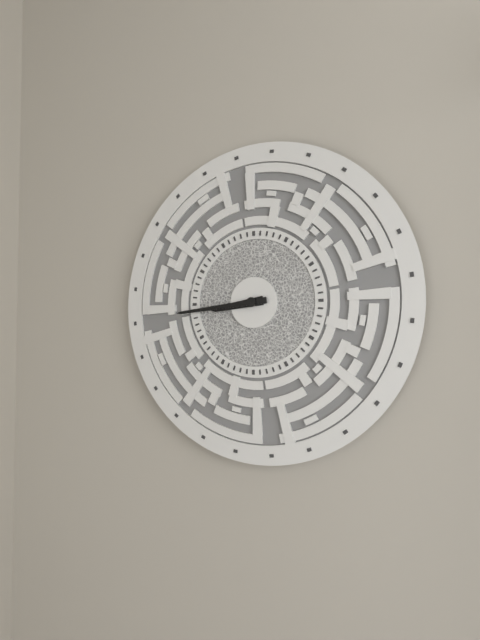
8:44
